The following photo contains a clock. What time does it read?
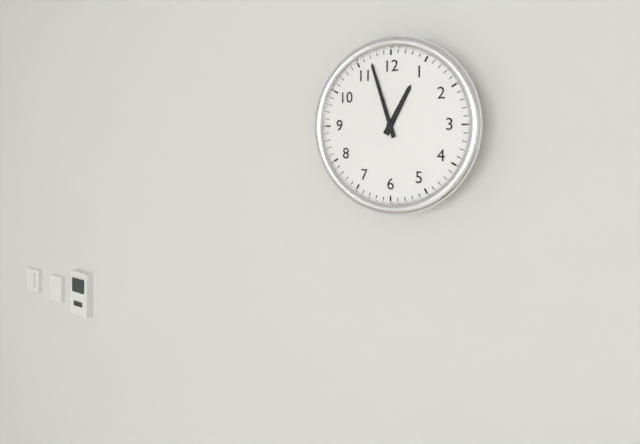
12:57
